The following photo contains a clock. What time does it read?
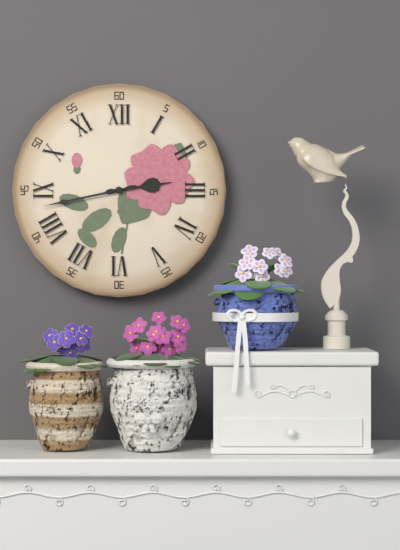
2:43
